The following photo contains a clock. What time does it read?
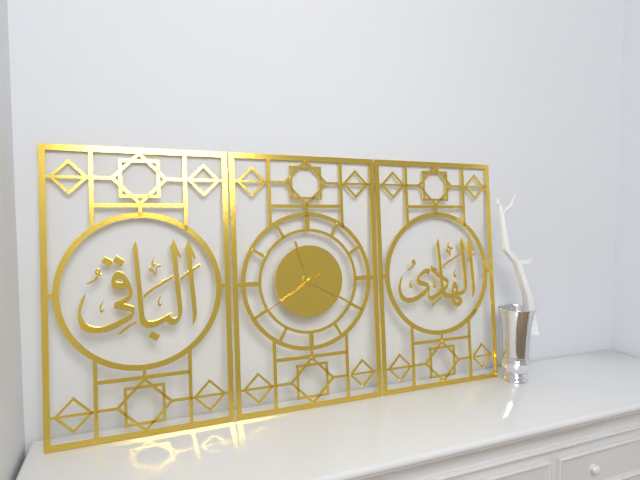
11:20:40
